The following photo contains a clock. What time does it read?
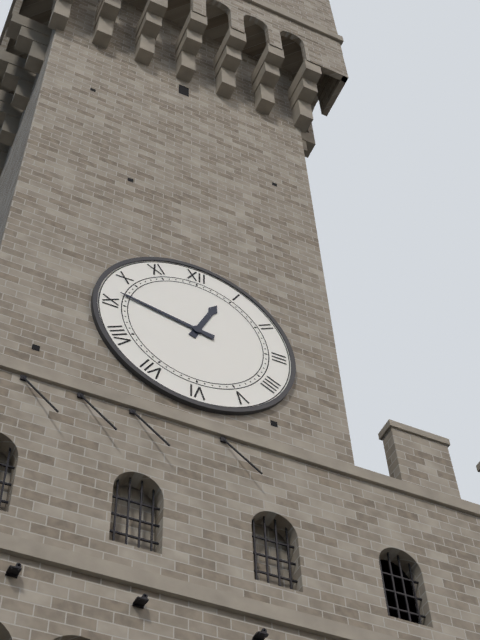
12:47
